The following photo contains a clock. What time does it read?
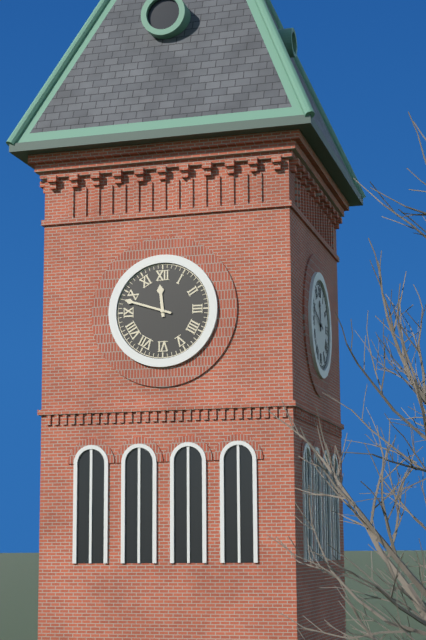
11:48
